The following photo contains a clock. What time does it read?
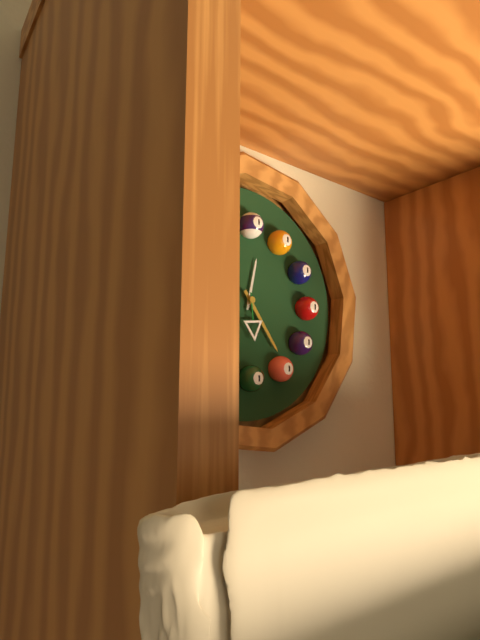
12:24:29
